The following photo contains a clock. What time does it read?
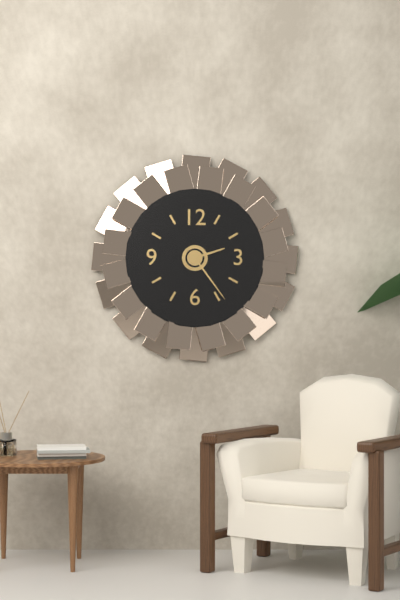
2:24
